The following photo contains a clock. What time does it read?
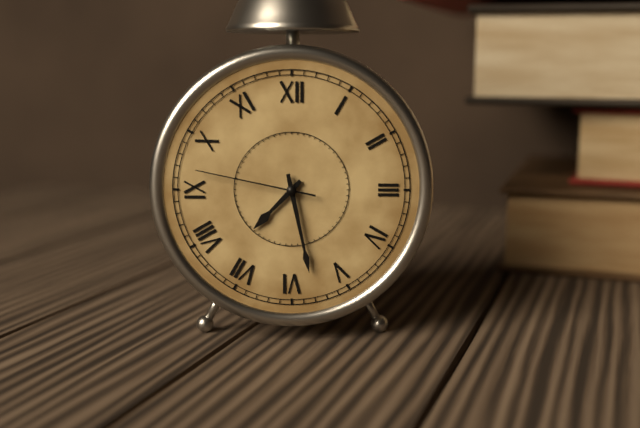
7:28:47
